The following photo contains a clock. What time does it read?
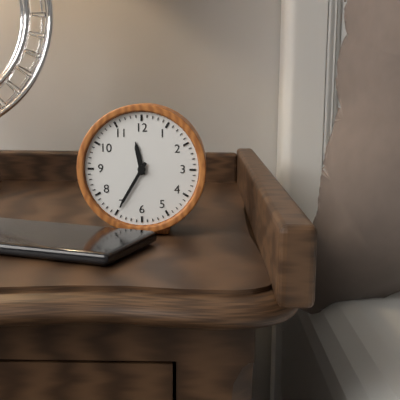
11:35
